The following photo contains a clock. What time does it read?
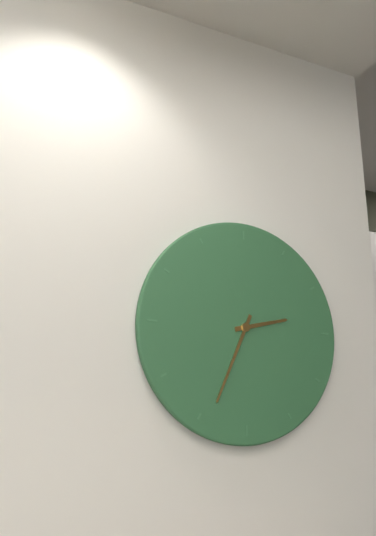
2:34
